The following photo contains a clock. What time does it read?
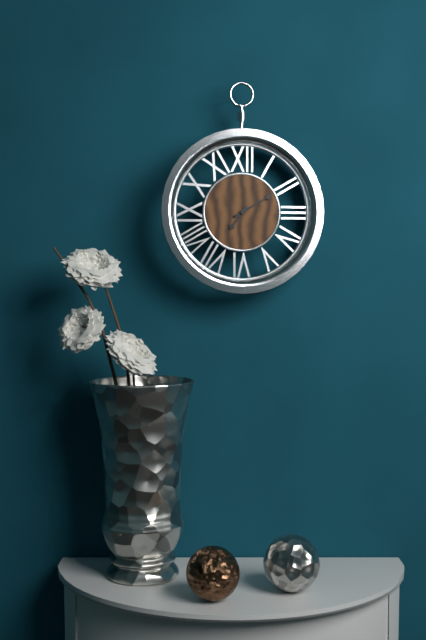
7:10
